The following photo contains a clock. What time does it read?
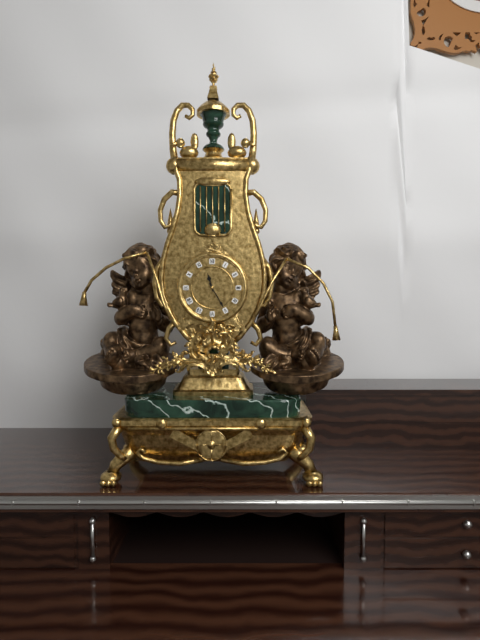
11:25
